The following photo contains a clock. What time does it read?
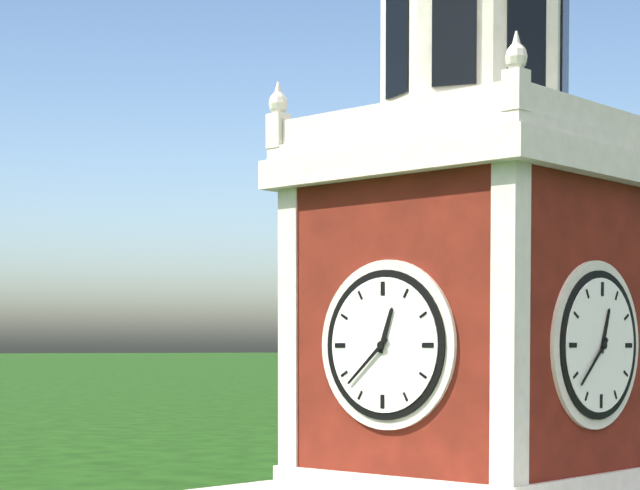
12:38
